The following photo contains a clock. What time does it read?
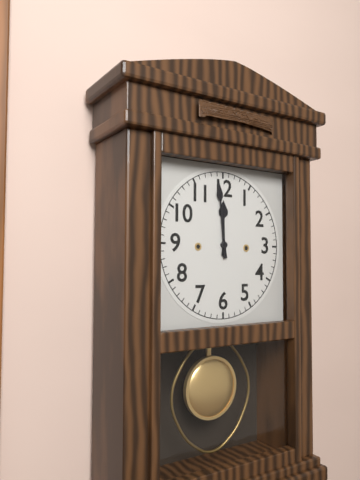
11:59
